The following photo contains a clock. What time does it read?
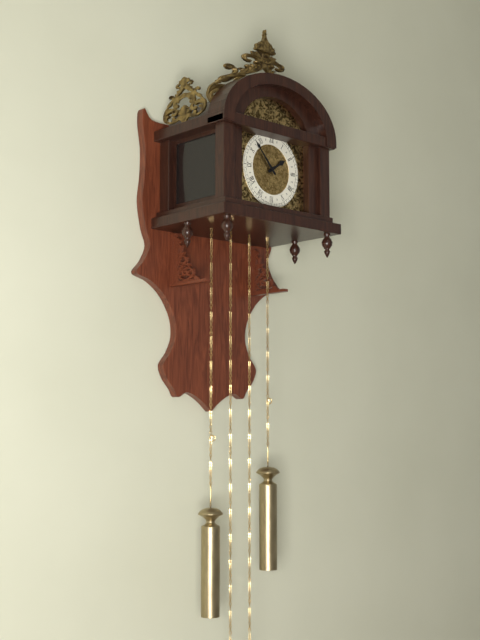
1:53
